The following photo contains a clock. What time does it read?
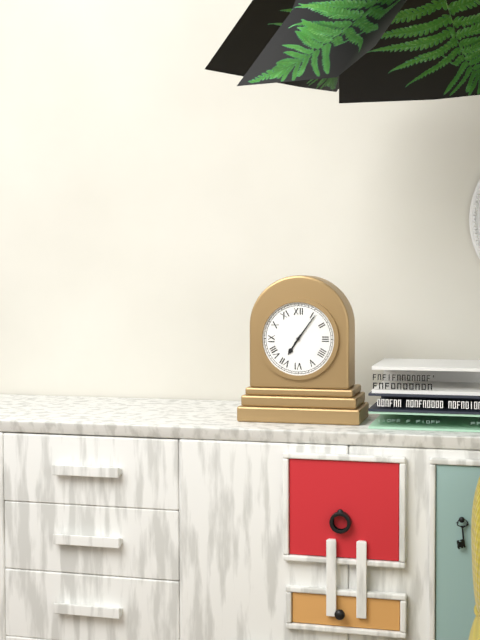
7:06
